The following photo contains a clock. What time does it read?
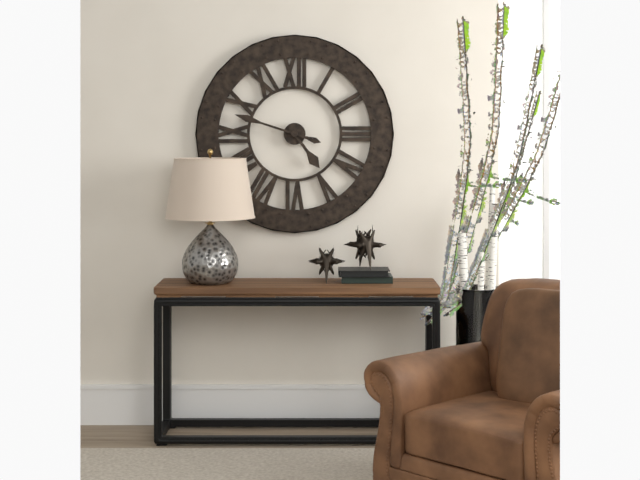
4:48
